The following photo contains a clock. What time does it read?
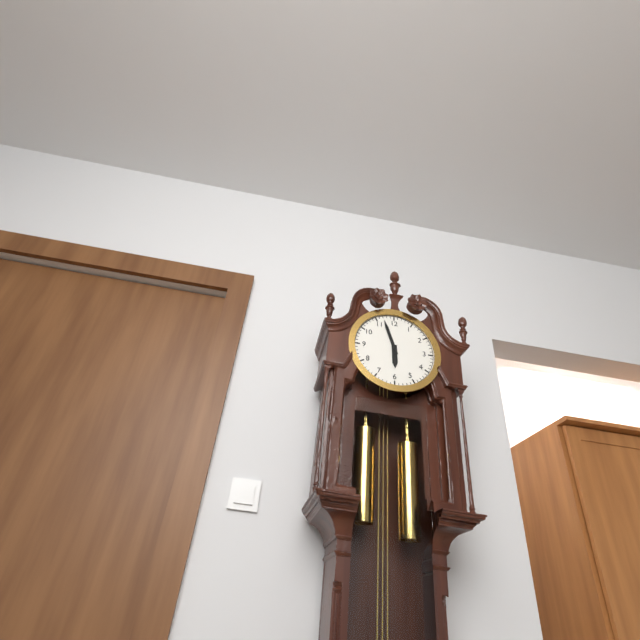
5:57
